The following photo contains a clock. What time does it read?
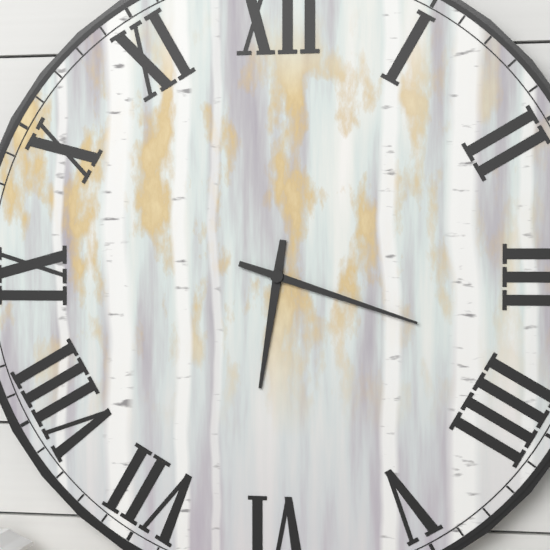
6:18
